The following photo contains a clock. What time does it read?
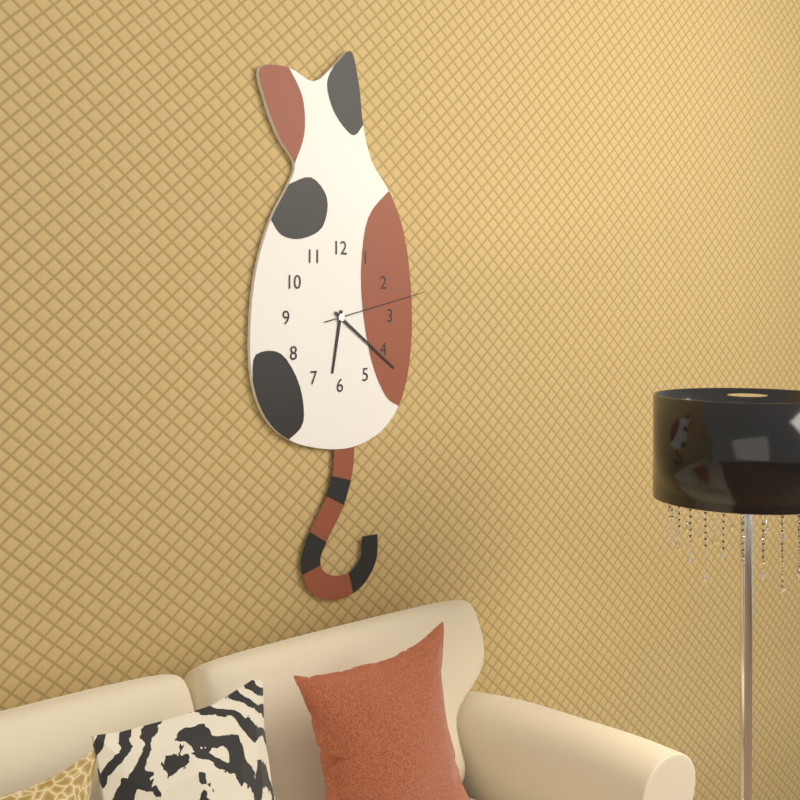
6:21:13
